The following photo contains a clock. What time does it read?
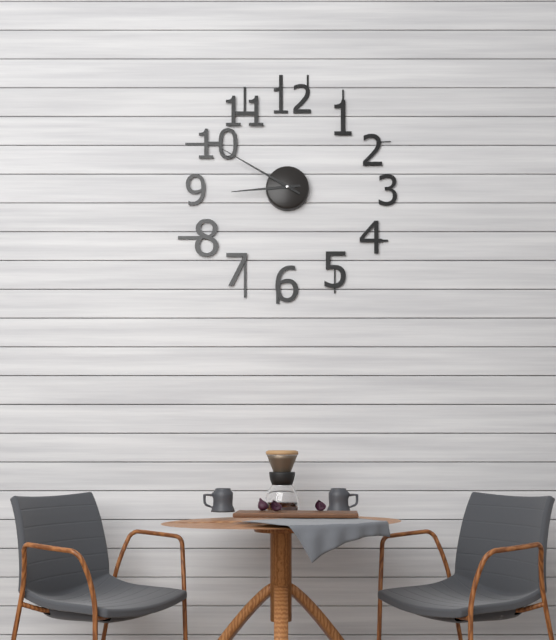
8:50
